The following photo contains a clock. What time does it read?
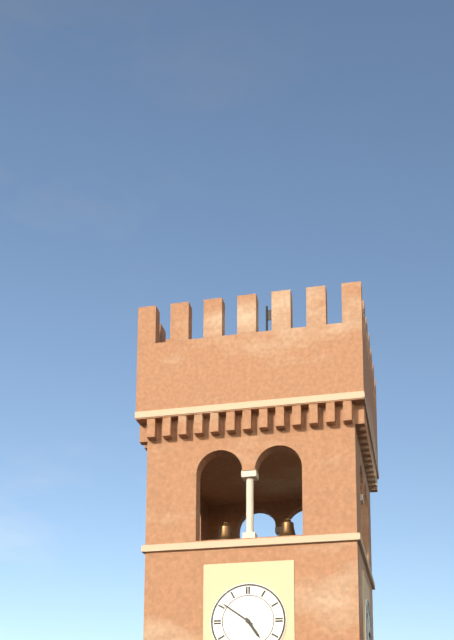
4:51
